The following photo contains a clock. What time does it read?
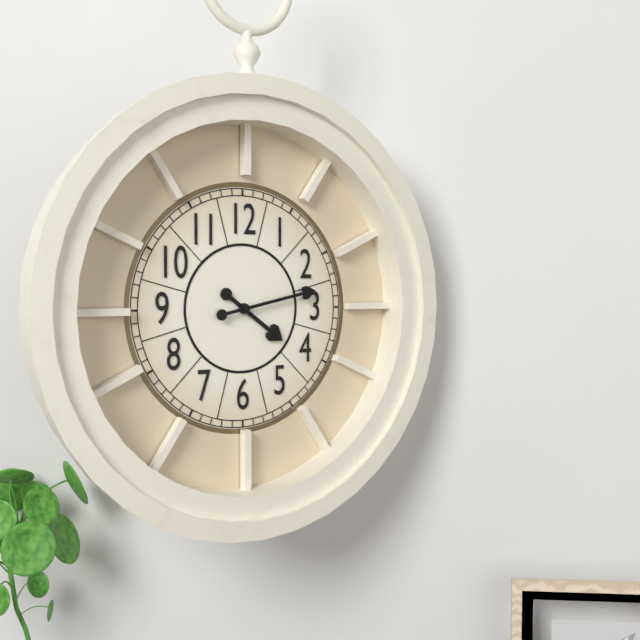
4:13
